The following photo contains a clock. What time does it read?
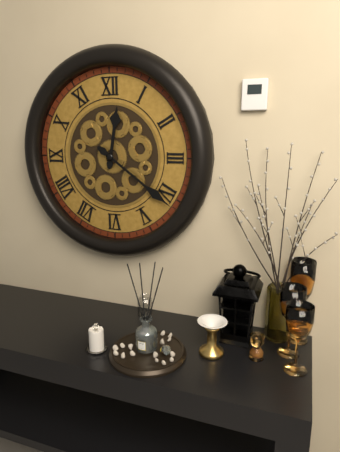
12:21
